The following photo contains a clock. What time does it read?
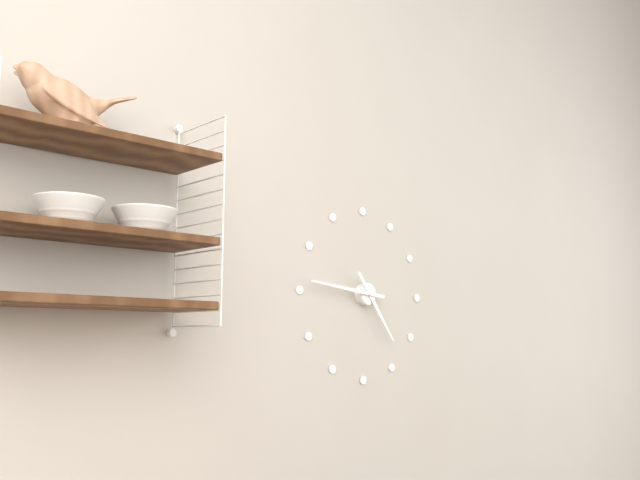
4:46
